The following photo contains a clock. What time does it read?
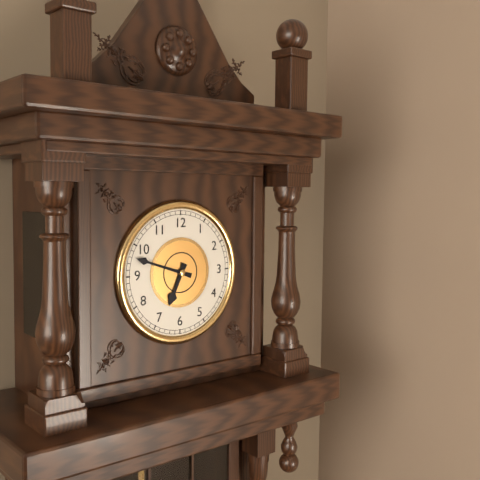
6:48
